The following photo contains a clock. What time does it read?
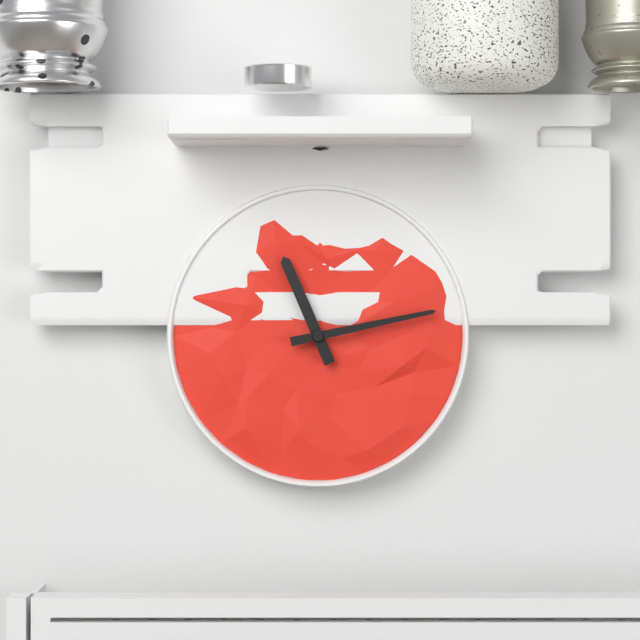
11:13
